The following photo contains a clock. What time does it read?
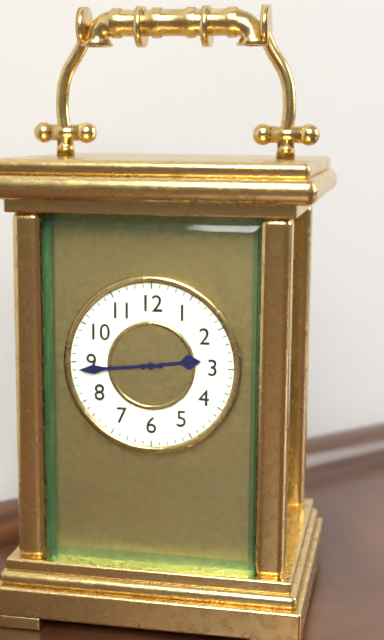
2:44
